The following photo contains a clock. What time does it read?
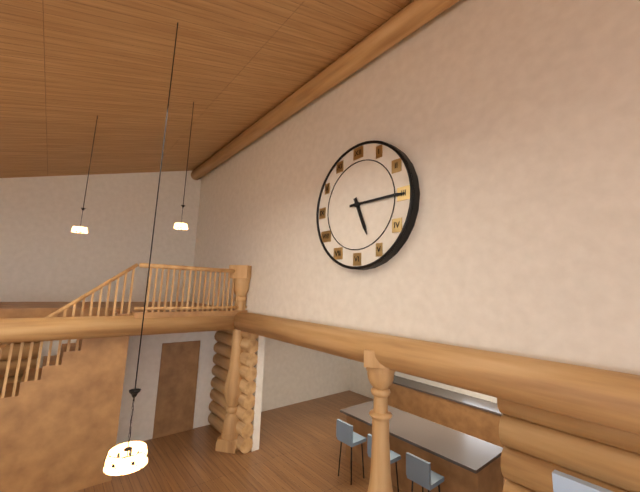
5:15
